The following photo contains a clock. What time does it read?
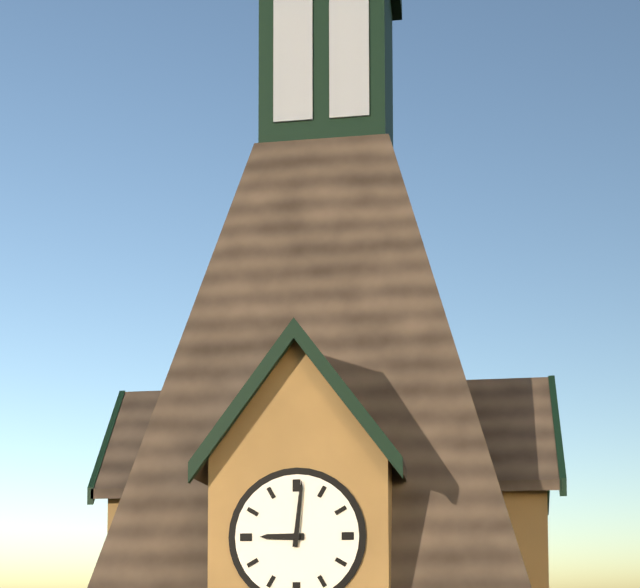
9:01
